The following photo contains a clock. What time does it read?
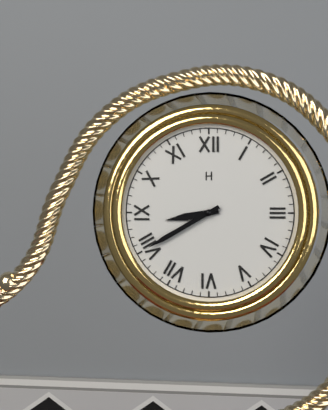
8:40
